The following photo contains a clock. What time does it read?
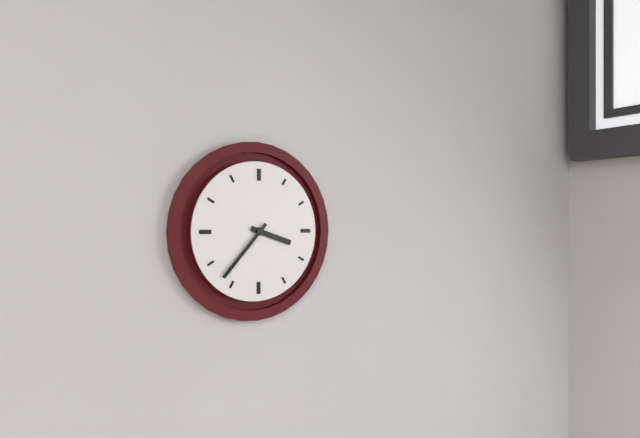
3:37
